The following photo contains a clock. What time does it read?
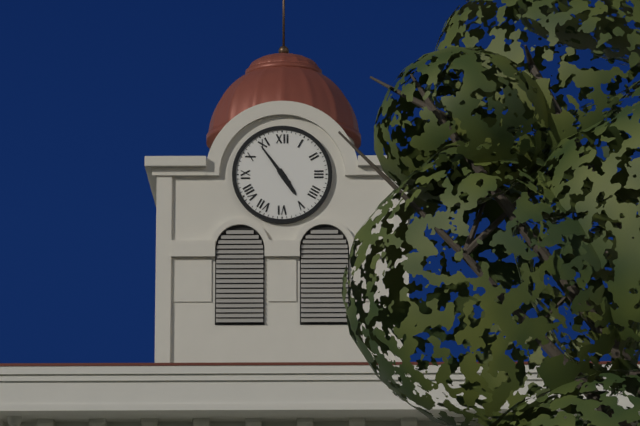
4:54
